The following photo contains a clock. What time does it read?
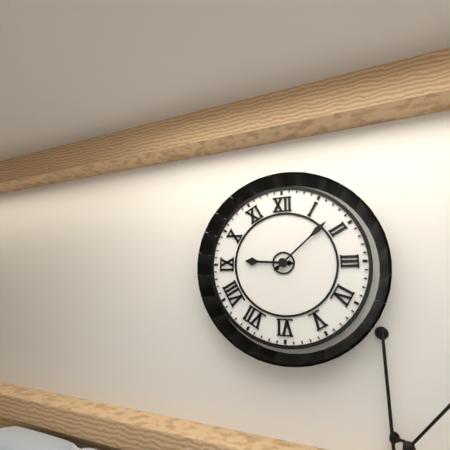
9:08
